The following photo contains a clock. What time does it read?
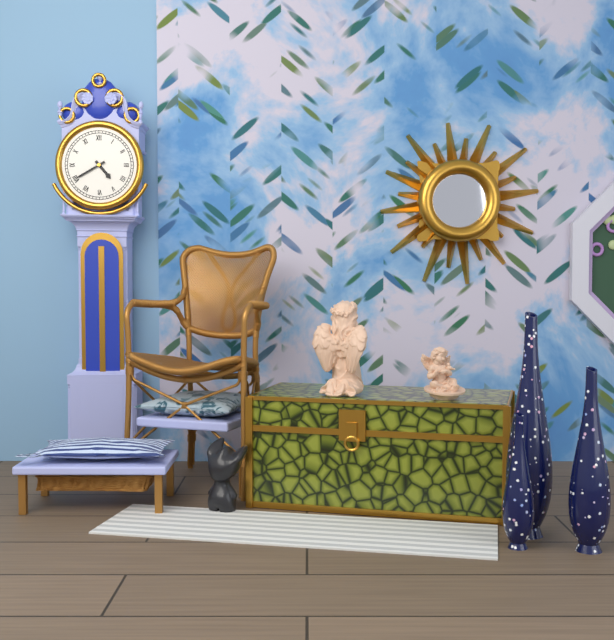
4:40
